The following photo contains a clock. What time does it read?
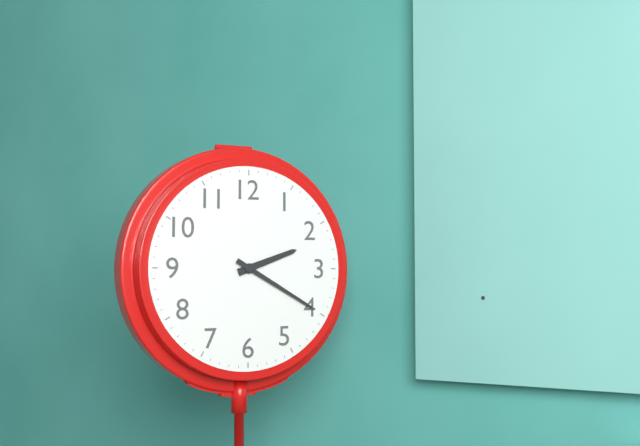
2:20
